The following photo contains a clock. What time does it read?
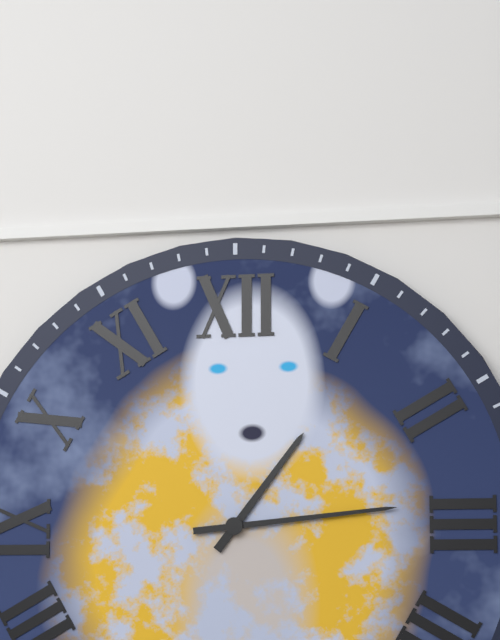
1:14
